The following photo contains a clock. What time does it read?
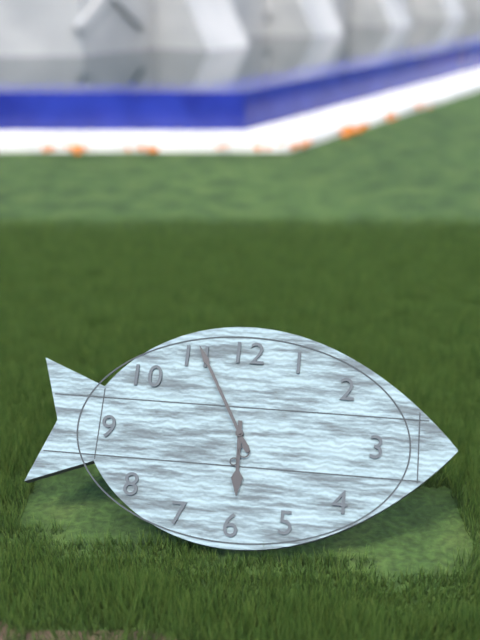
5:55
